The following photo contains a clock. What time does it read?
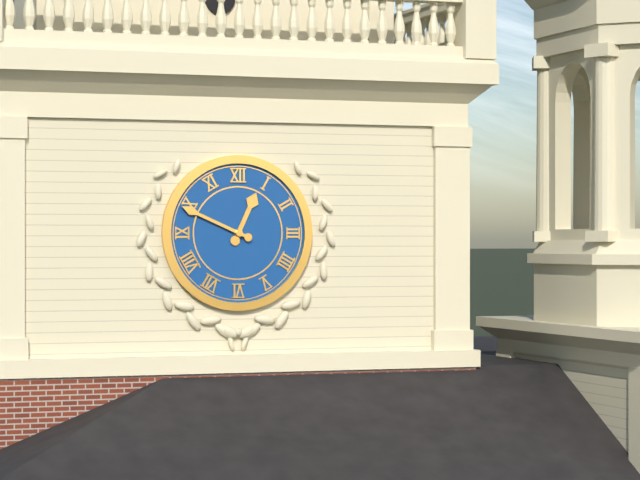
12:49
